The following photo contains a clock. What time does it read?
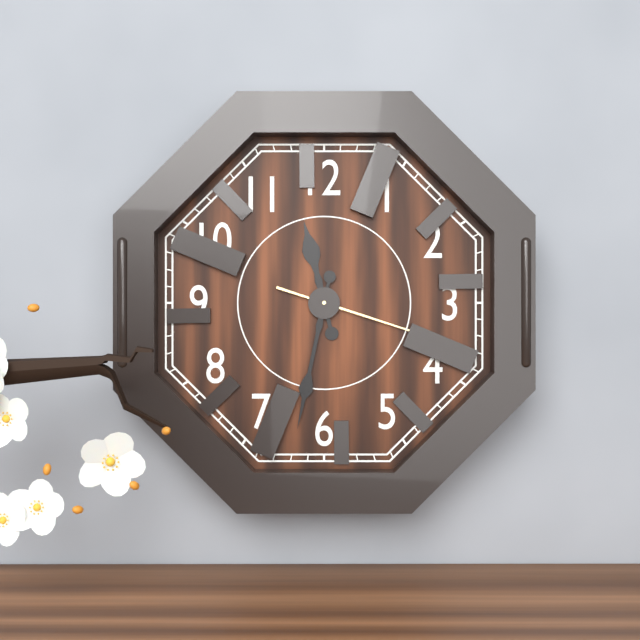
11:32
